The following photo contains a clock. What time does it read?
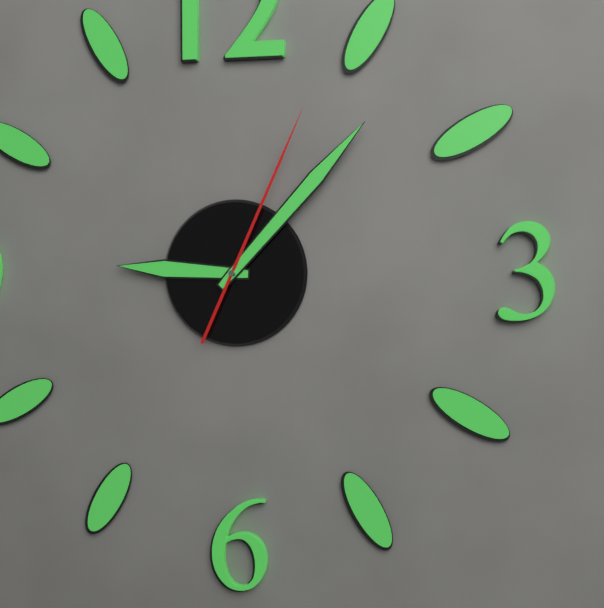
9:07:04
